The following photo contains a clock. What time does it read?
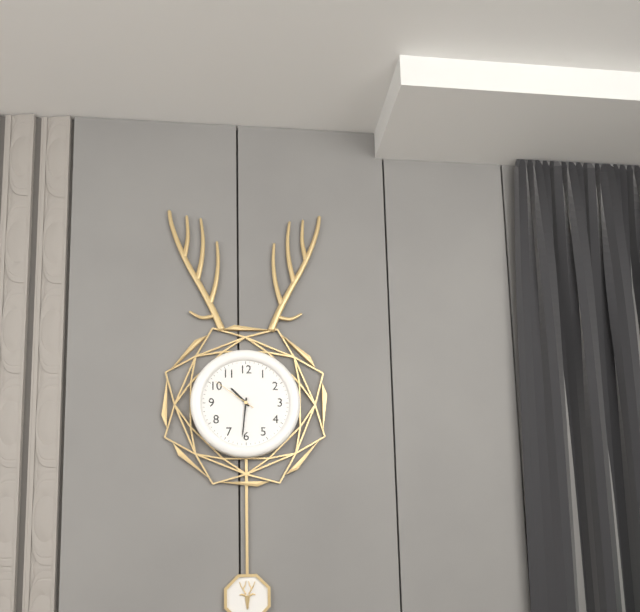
10:31
